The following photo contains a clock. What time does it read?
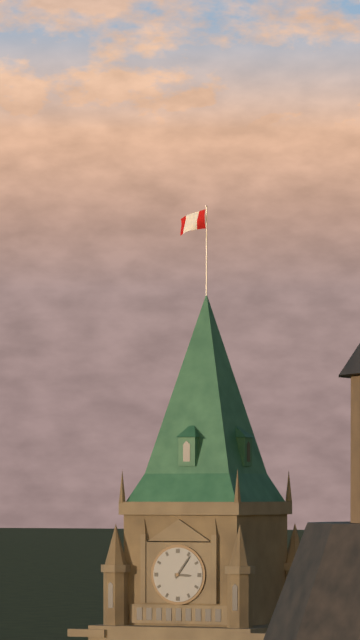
3:06
